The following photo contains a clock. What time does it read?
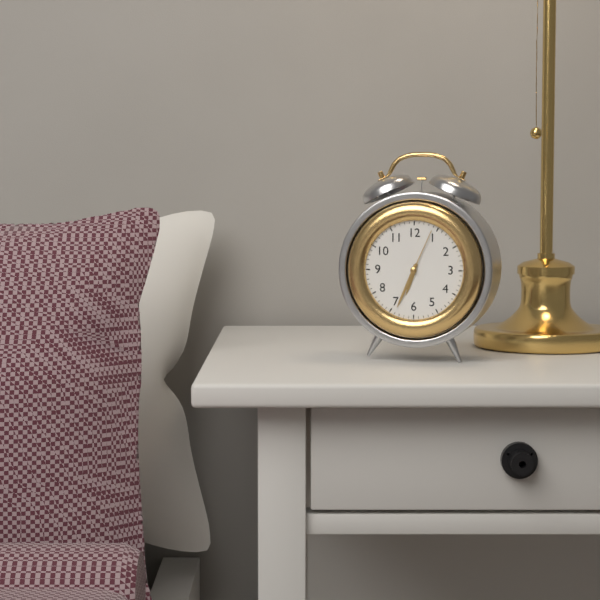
6:34:04
